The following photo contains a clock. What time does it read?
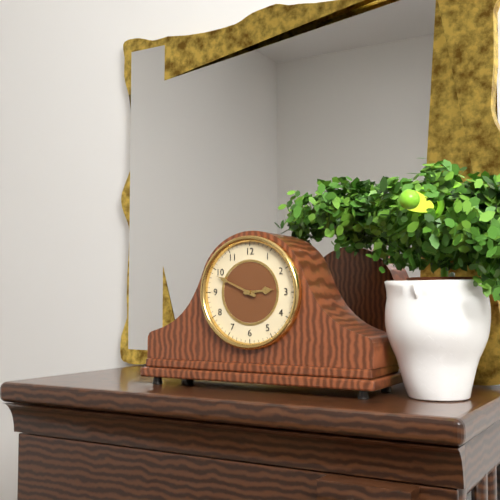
2:49
